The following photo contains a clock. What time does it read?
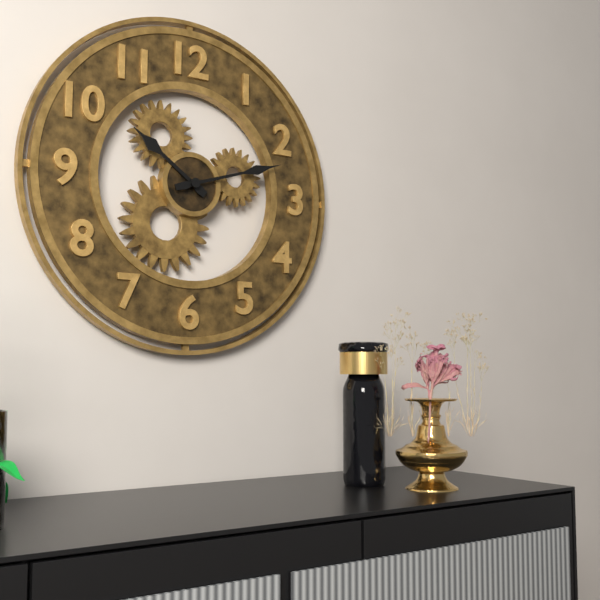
10:12
